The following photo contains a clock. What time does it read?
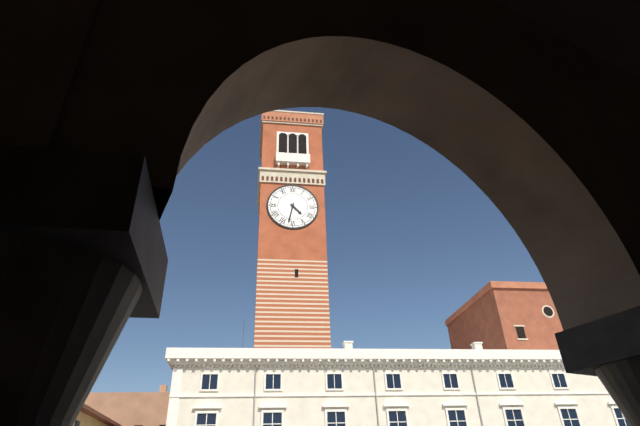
4:32
